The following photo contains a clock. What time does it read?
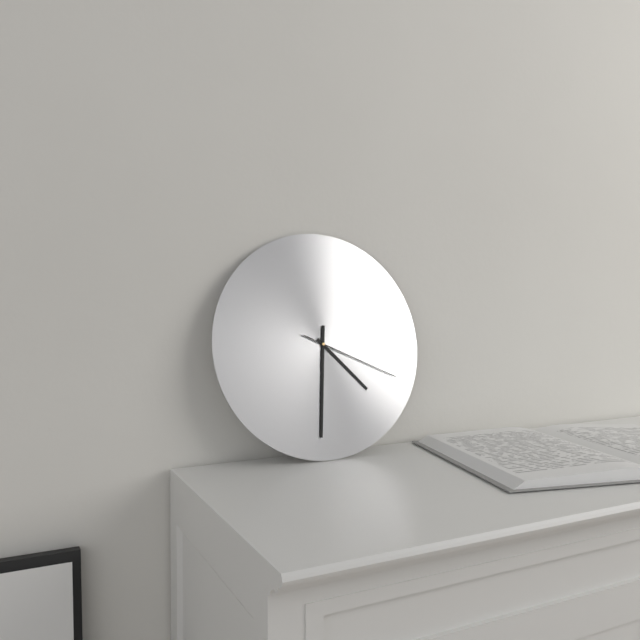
4:31:19
